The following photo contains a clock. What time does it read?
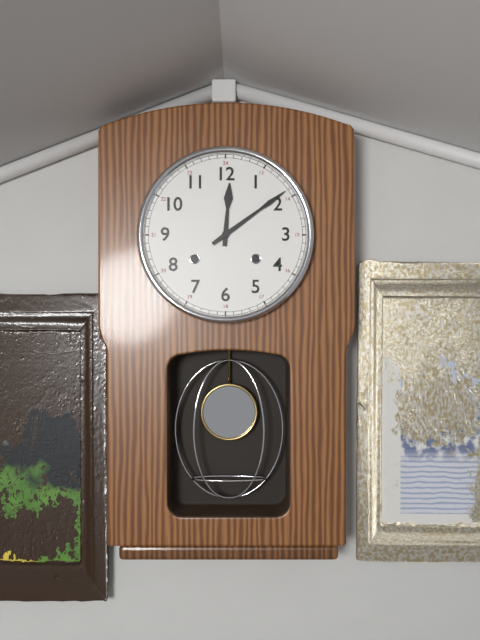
12:09
